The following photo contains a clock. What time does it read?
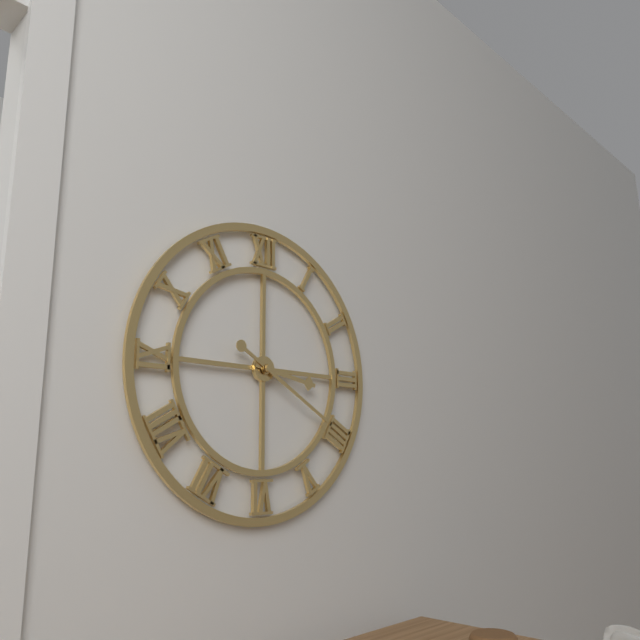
3:20
